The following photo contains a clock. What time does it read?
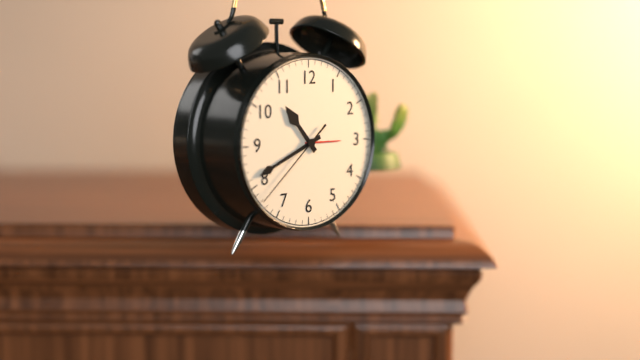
10:41:38
